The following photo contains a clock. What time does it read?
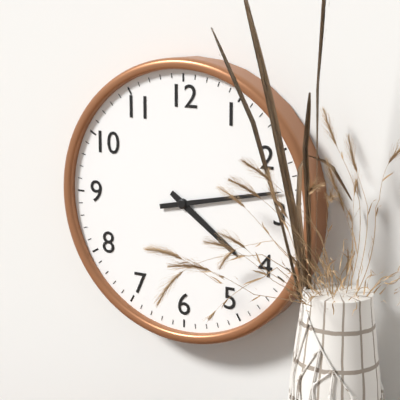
4:13
